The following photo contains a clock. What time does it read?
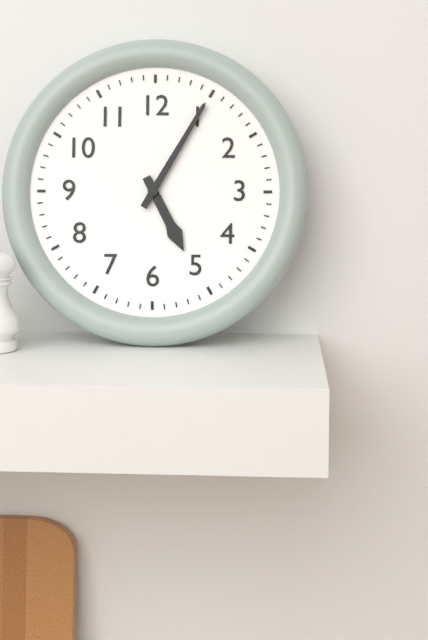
5:05
